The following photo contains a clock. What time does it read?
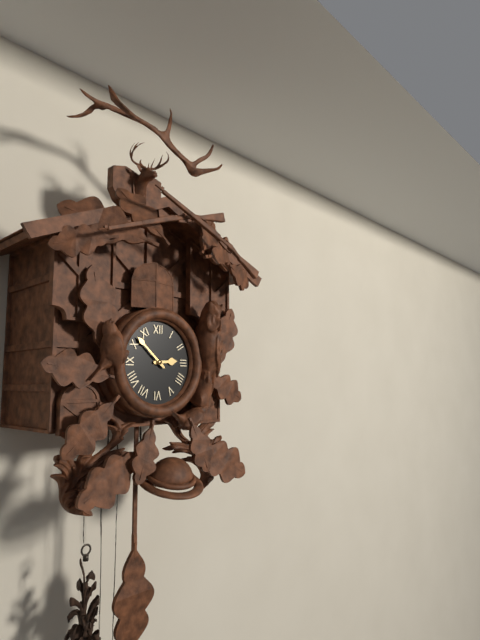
2:52
